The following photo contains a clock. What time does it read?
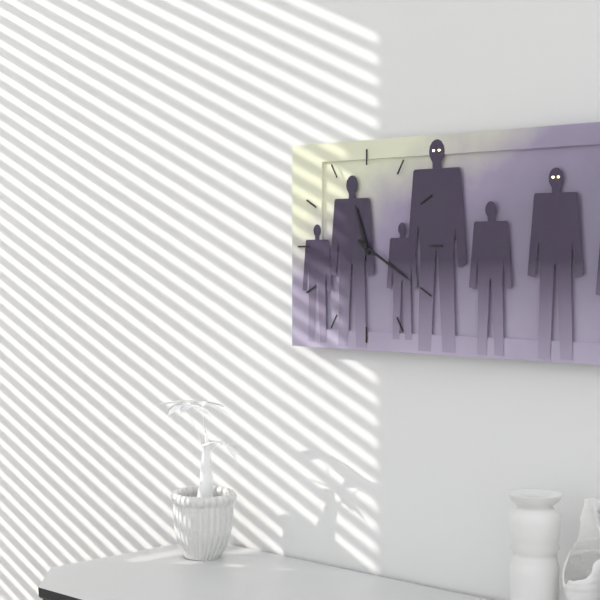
11:20
